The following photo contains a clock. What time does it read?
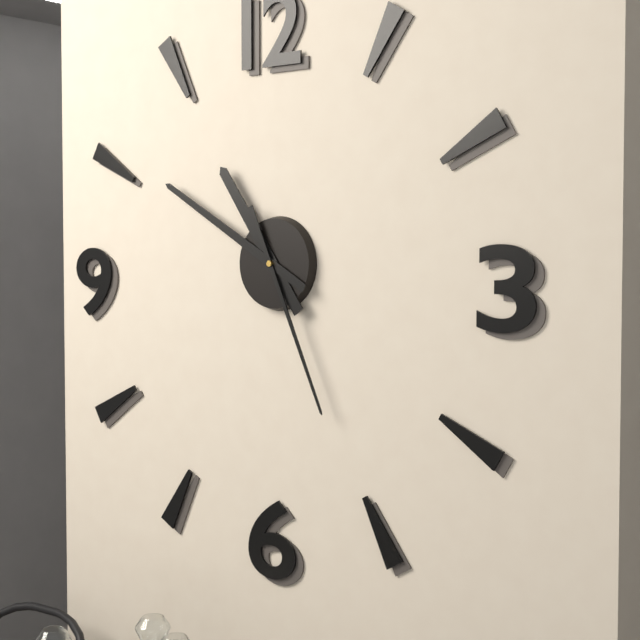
10:50:26
